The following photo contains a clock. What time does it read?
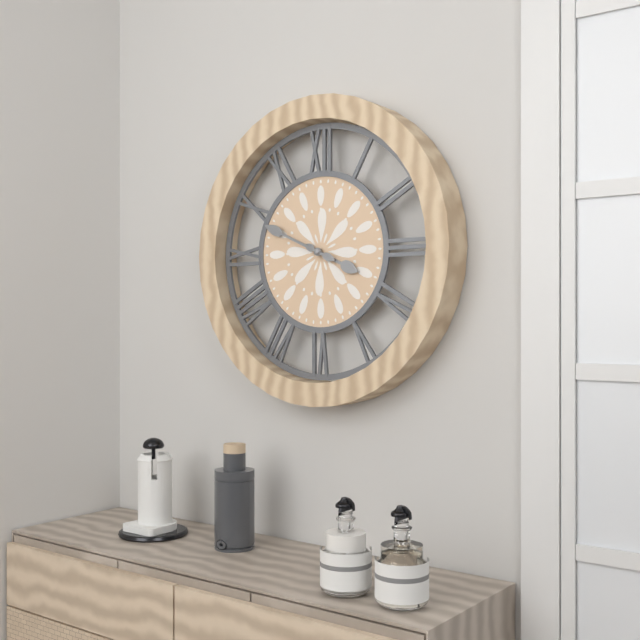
3:49
